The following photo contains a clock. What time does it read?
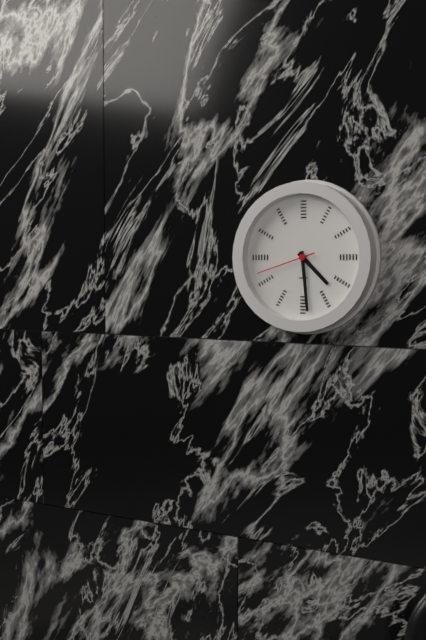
4:29:42
